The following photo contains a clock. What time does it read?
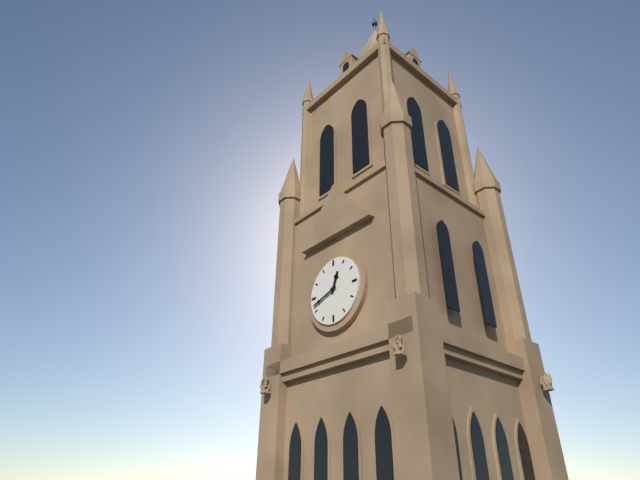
12:42
